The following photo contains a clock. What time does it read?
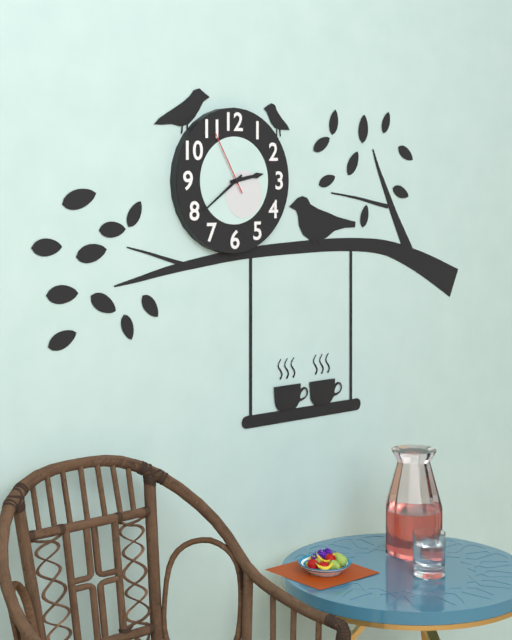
2:39:55
